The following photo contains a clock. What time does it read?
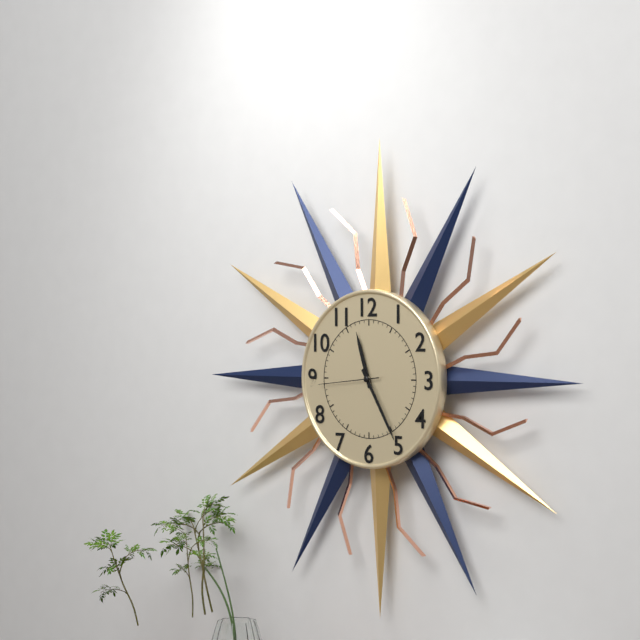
11:25:44
